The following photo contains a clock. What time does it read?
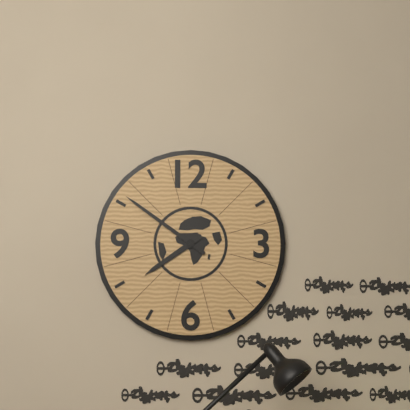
7:51
